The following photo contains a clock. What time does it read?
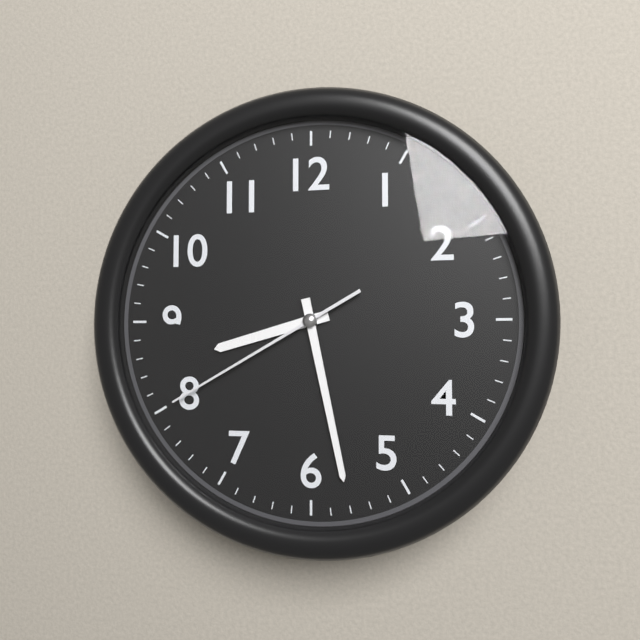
8:28:40
